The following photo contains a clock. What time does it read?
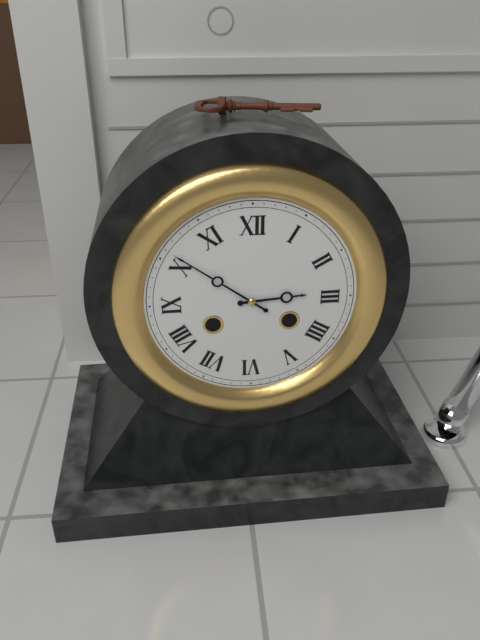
2:51
